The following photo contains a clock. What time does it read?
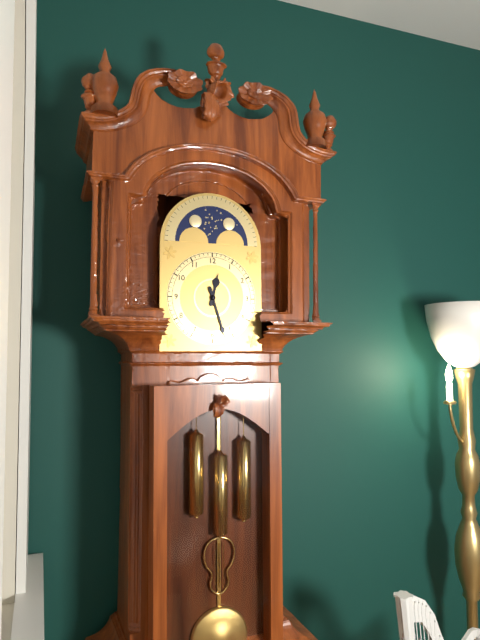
12:27
